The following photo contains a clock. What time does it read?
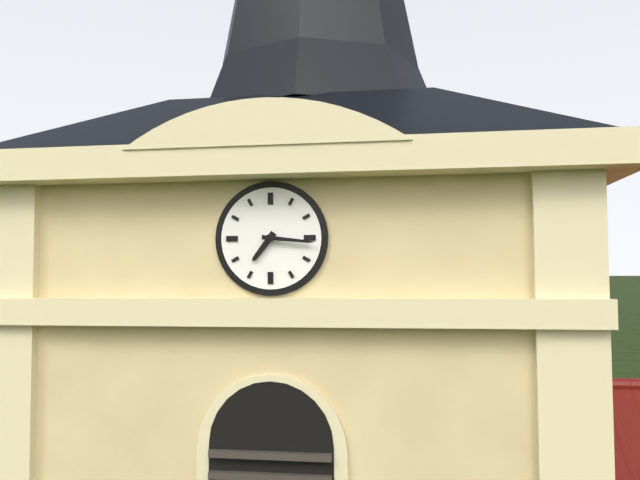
7:16
